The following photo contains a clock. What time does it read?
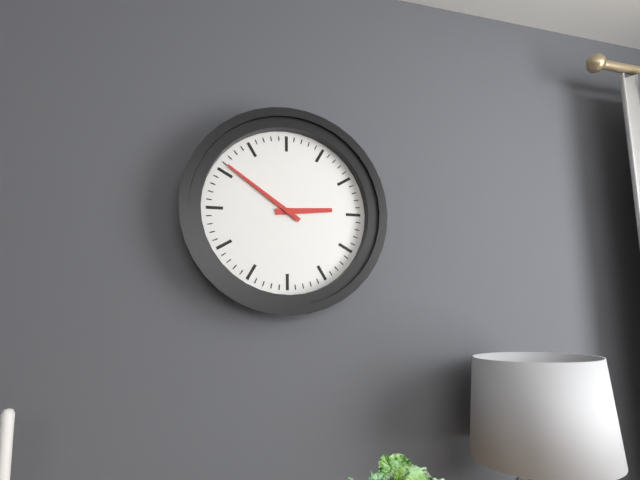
2:51
